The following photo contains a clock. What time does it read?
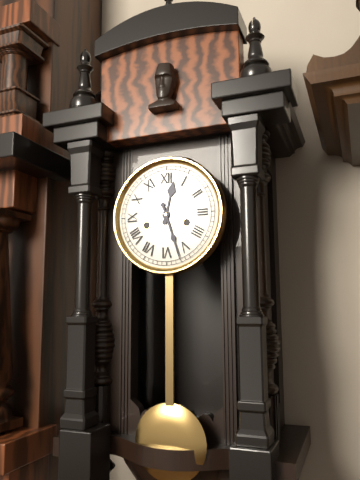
12:27
